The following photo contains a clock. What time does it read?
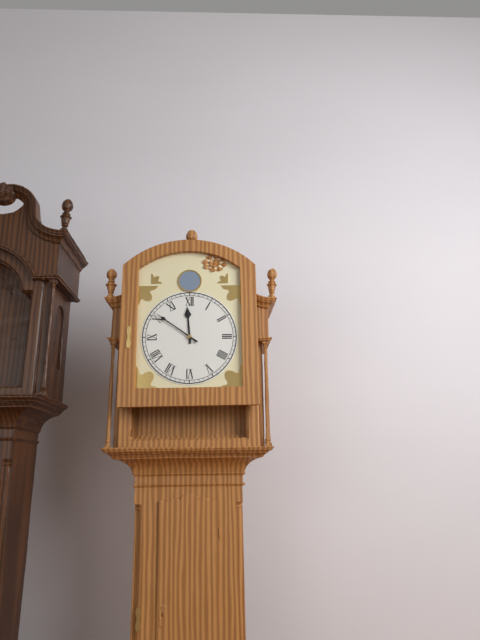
11:51
